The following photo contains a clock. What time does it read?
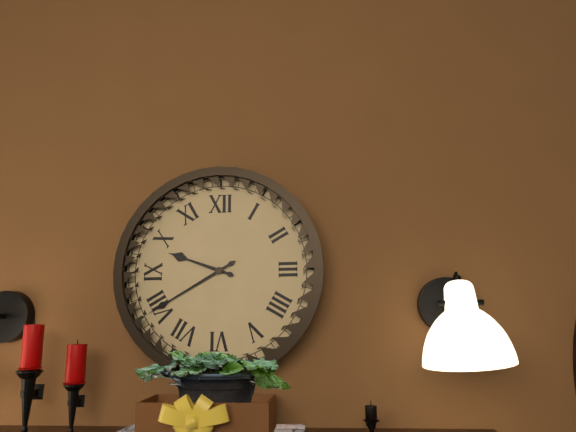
9:40
